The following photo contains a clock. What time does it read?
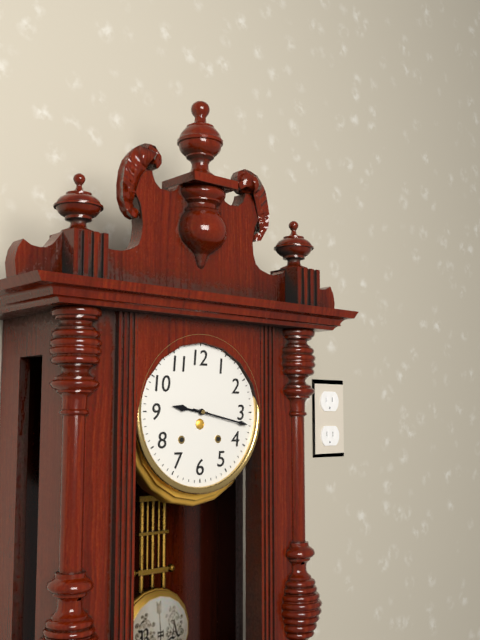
9:17
